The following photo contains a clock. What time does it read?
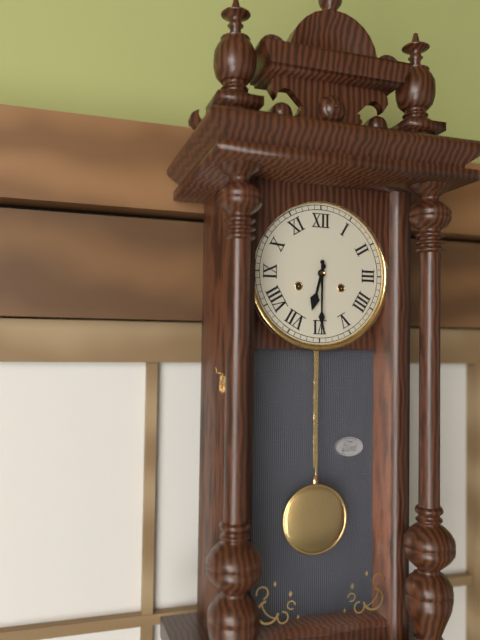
6:30
